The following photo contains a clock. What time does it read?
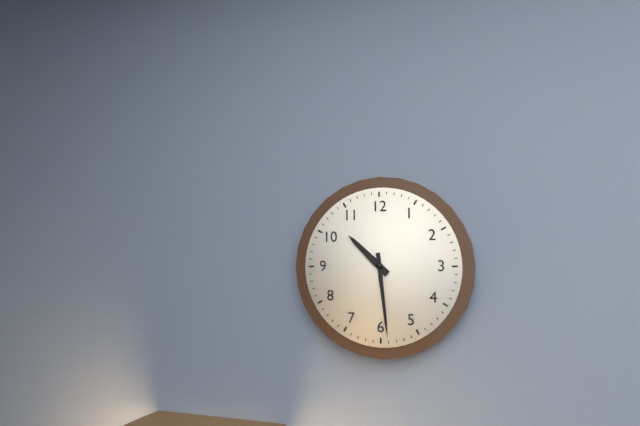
10:29
